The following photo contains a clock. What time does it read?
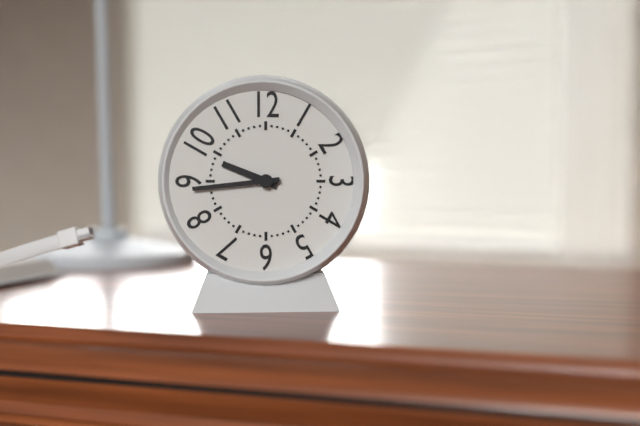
9:44
